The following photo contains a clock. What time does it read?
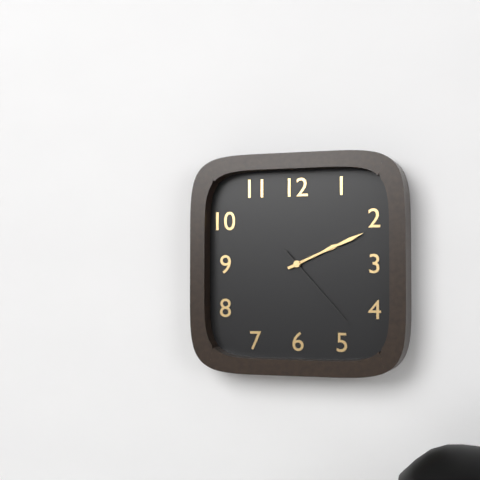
2:11:23
